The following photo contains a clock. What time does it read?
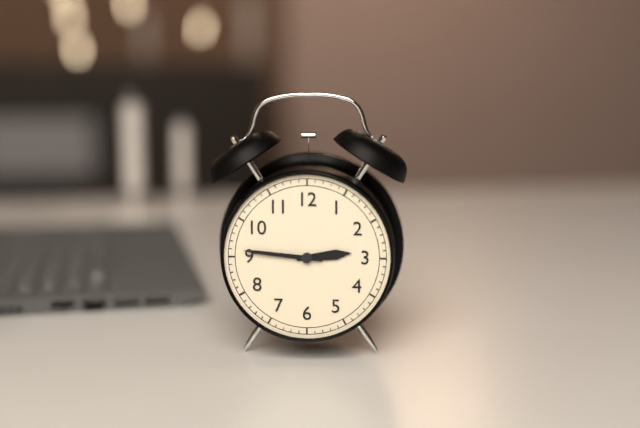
2:46
